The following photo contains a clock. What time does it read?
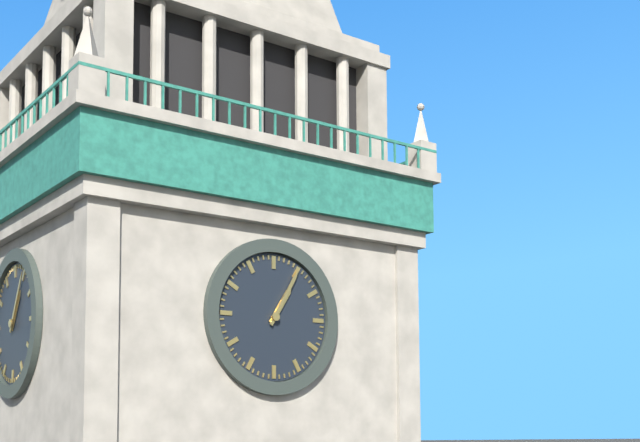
1:05
